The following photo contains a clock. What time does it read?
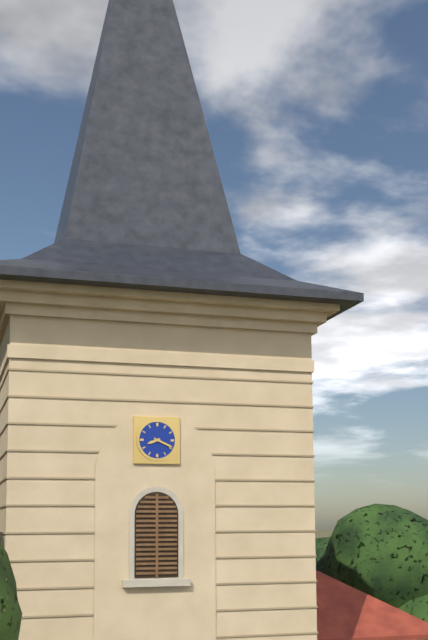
8:19
